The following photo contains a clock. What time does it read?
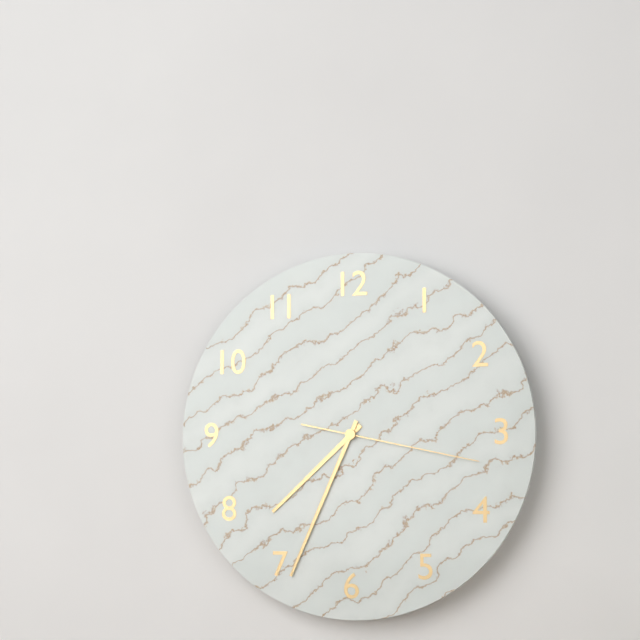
7:34:17
